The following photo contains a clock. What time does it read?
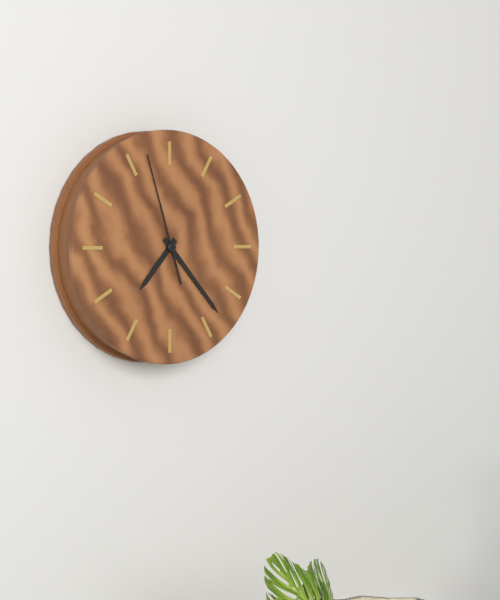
7:23:57
